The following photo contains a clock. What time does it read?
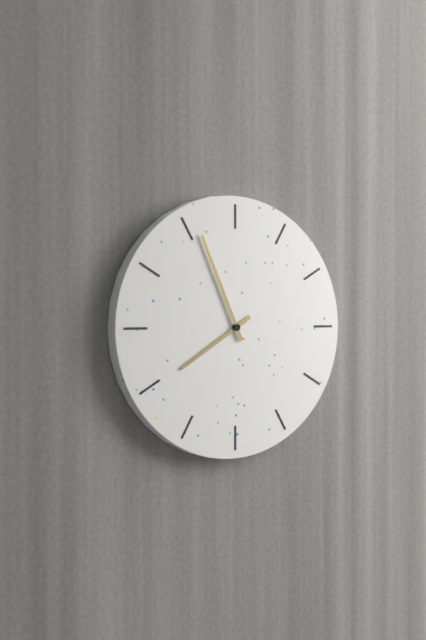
7:56
